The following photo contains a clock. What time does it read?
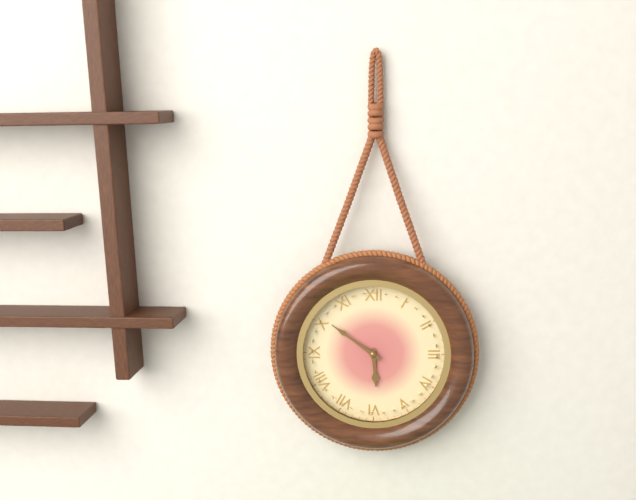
5:51
